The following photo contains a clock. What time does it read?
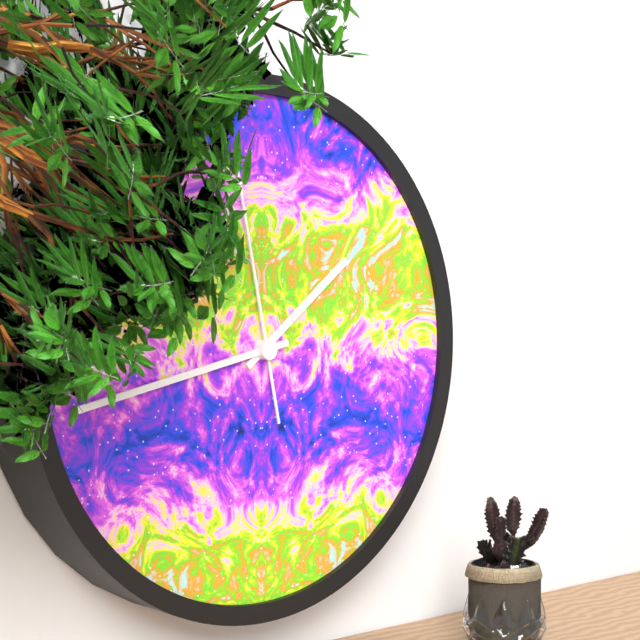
1:43
